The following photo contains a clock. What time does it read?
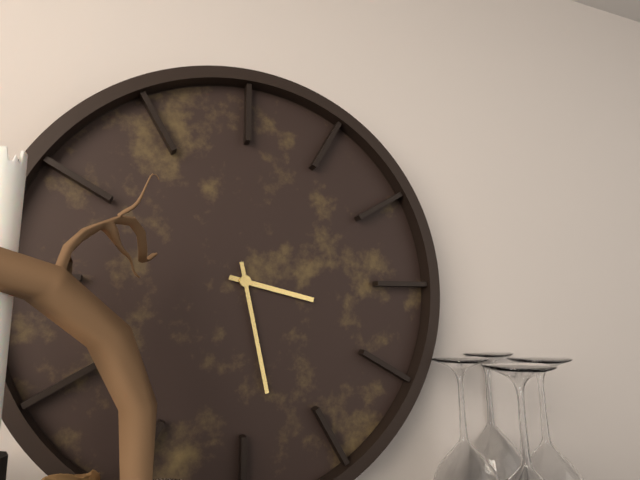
3:28
